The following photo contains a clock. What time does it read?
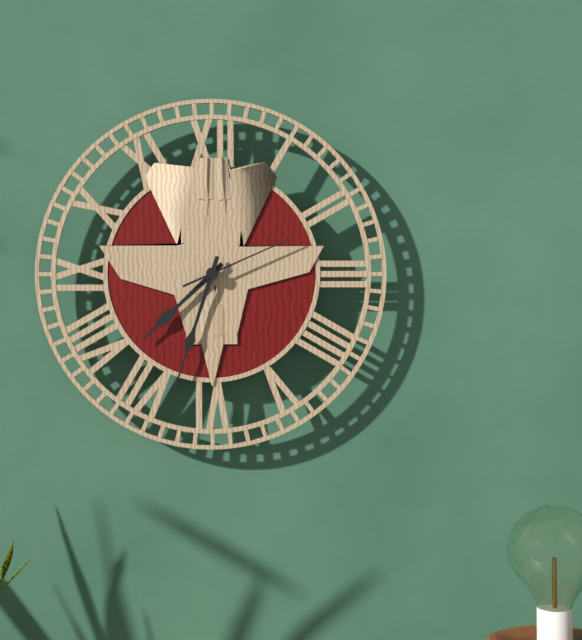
7:33:11
